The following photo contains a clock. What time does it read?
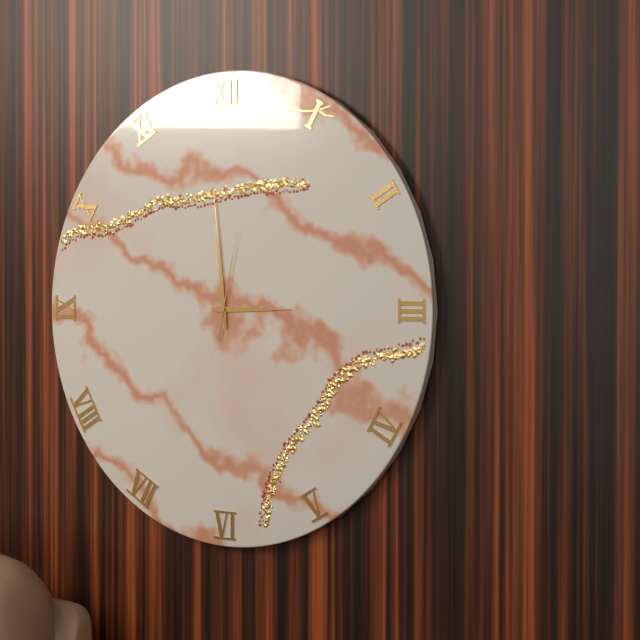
2:59:02
